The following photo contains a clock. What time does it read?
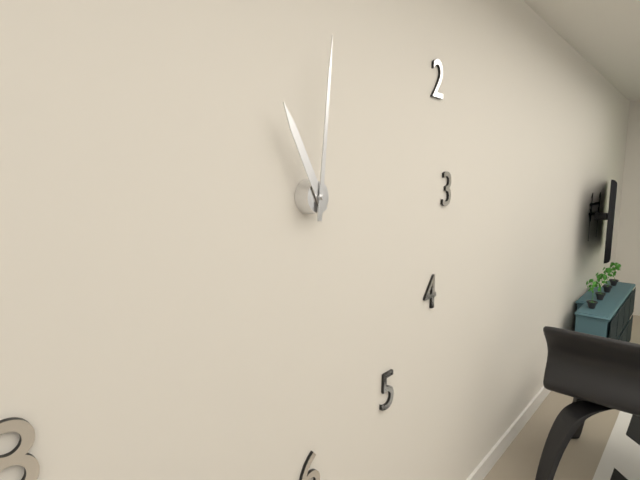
11:01
